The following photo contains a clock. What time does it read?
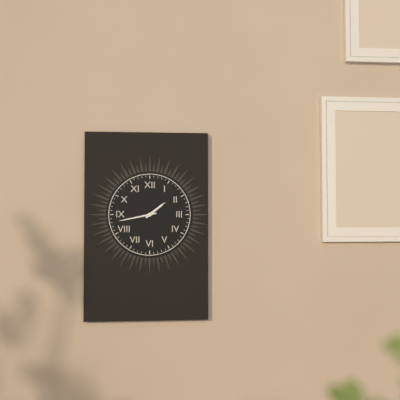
1:43
